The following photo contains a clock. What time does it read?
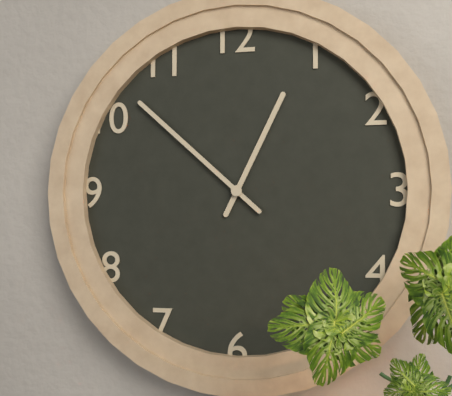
12:52
